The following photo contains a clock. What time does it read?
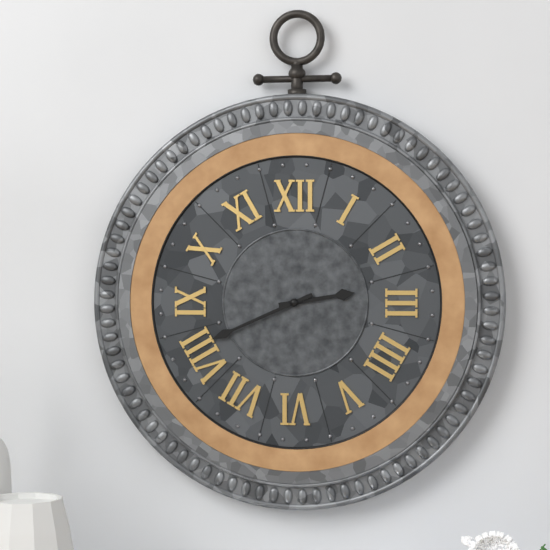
2:41
